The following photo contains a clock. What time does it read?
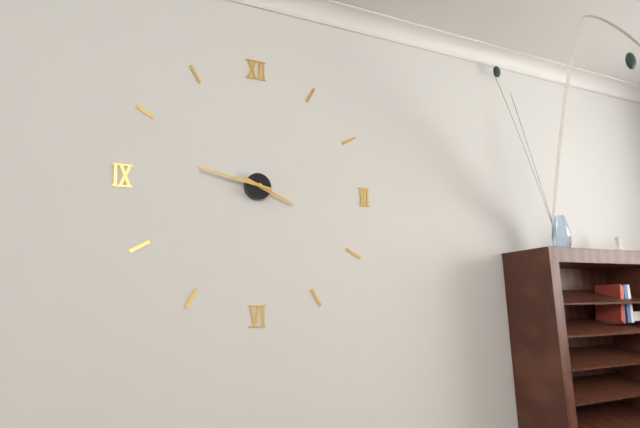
3:47
